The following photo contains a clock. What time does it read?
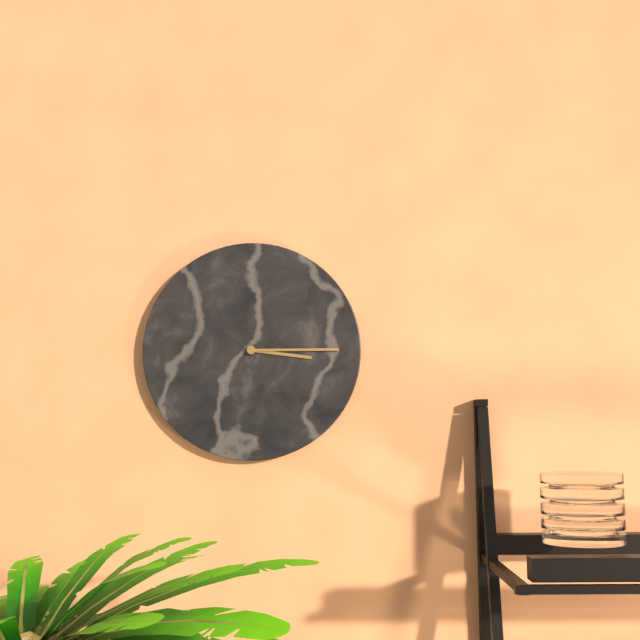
3:15
